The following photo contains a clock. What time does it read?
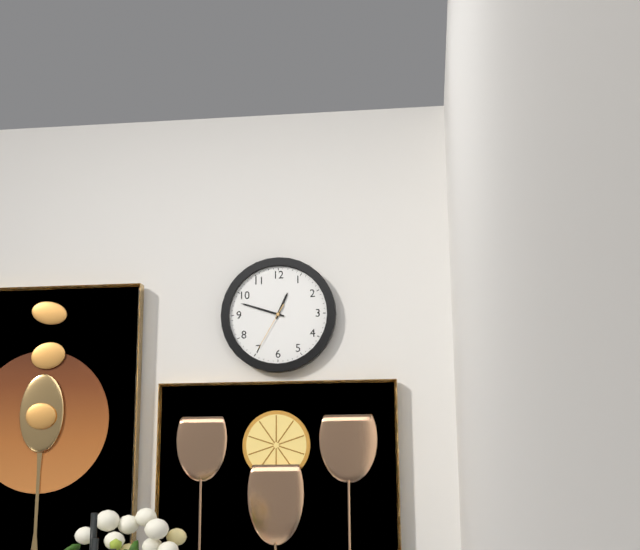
12:48:35
